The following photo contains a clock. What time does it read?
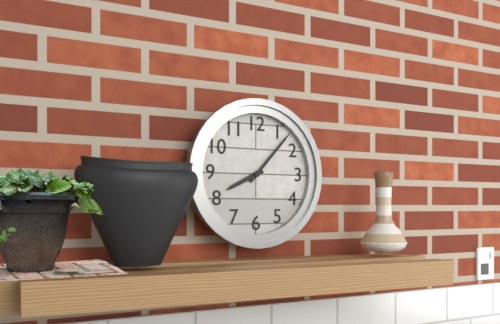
8:07
